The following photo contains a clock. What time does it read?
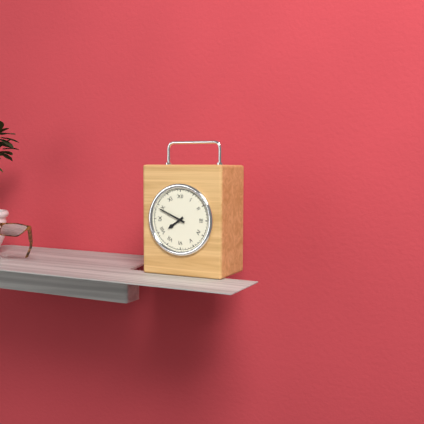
7:49
